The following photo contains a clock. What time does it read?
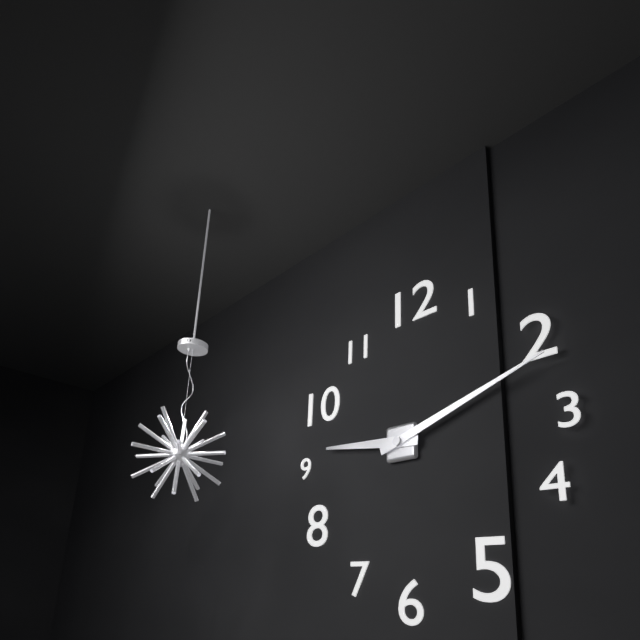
9:12
